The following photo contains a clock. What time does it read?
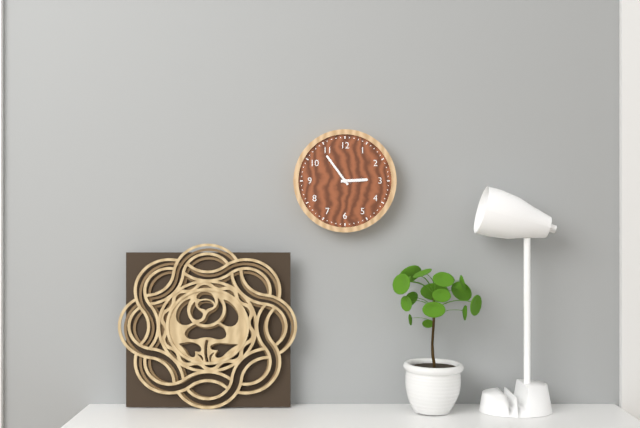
2:54
